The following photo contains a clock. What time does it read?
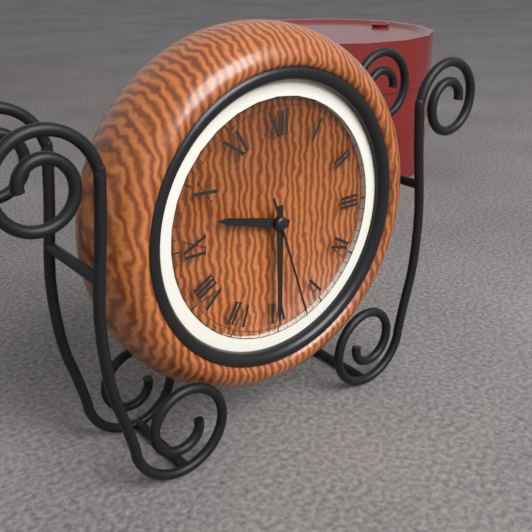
9:30:27
